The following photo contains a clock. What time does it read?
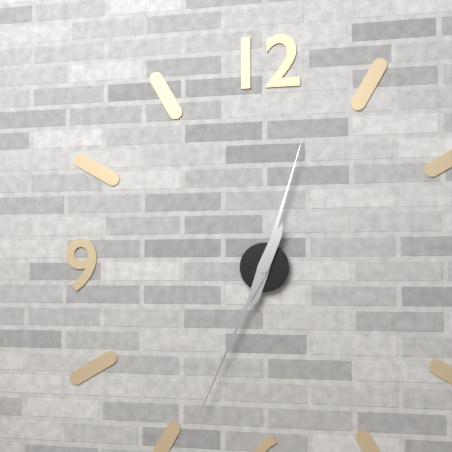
12:34
